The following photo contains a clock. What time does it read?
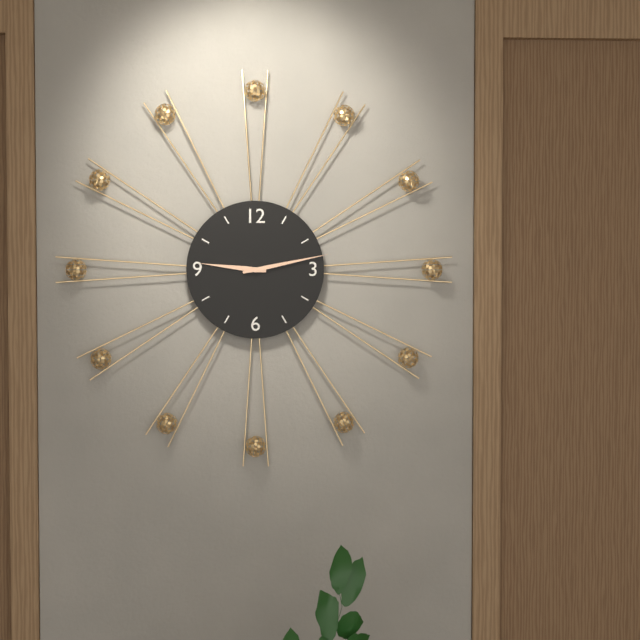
9:13
